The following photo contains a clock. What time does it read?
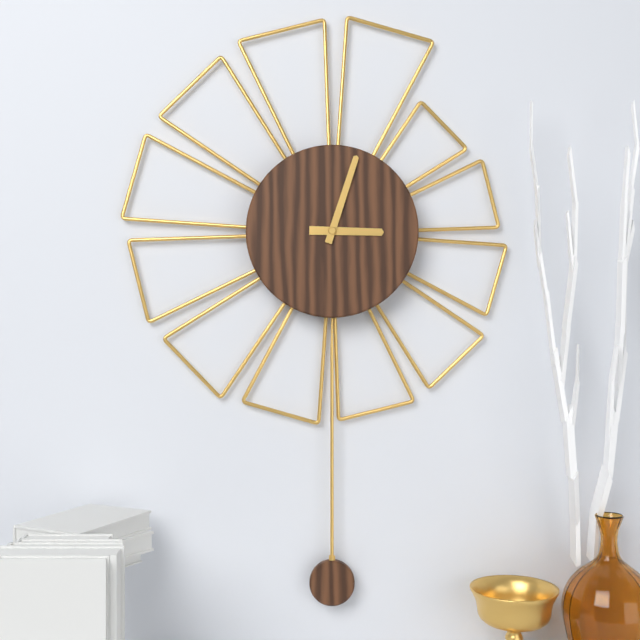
3:03
